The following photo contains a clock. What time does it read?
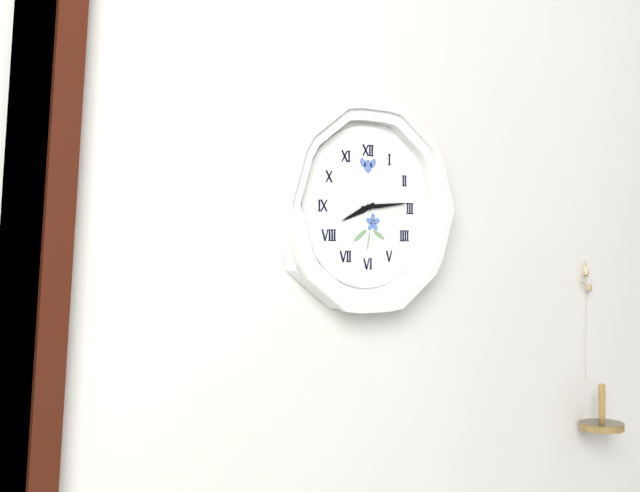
8:14
